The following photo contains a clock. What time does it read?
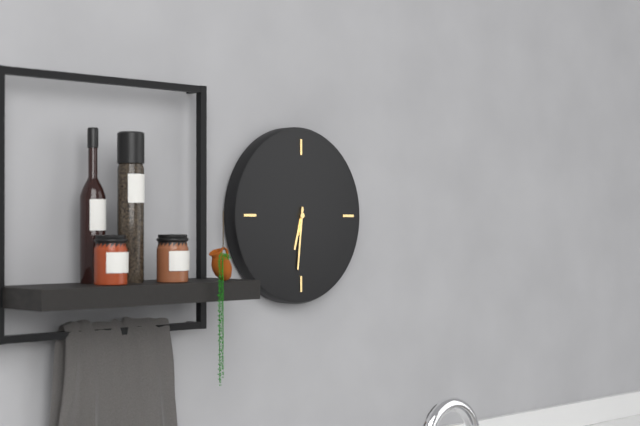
6:31
